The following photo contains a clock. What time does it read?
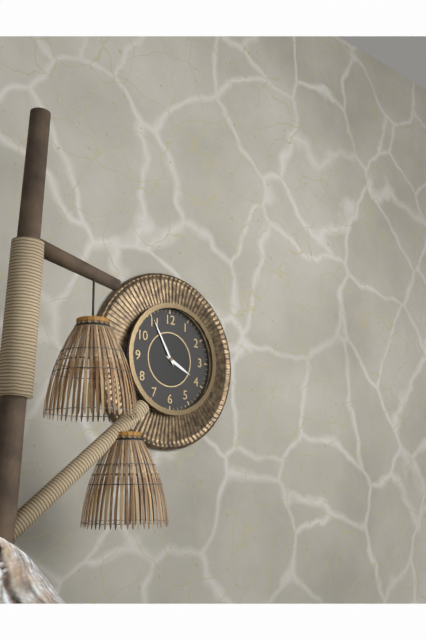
3:55
